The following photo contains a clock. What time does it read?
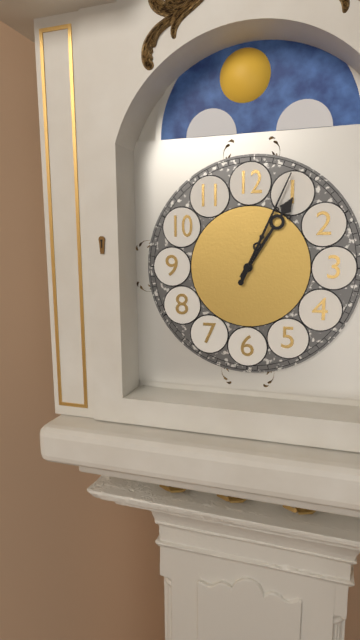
1:04
